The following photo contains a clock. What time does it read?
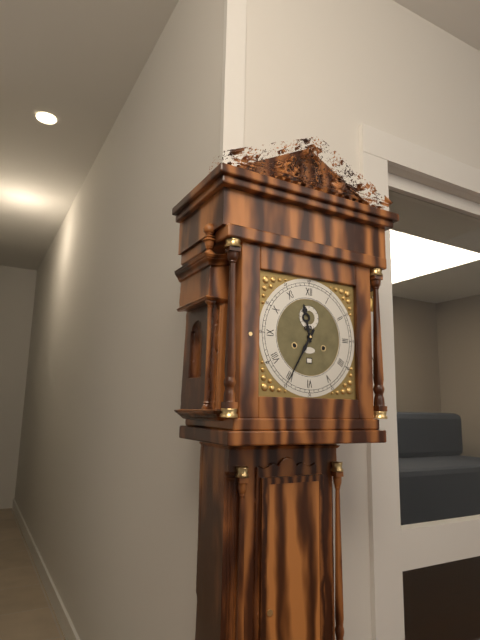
11:35
